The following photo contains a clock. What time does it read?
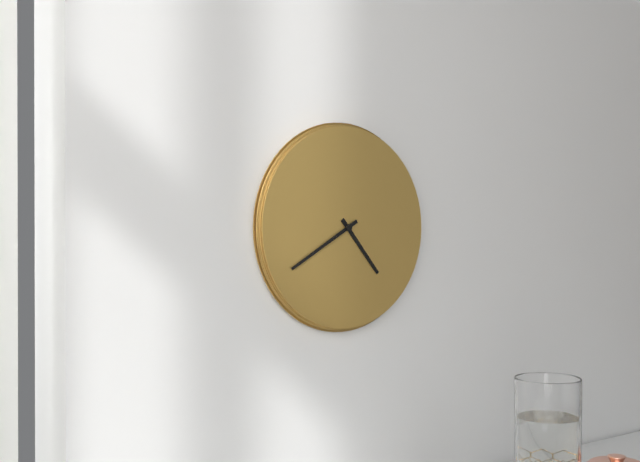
4:40
